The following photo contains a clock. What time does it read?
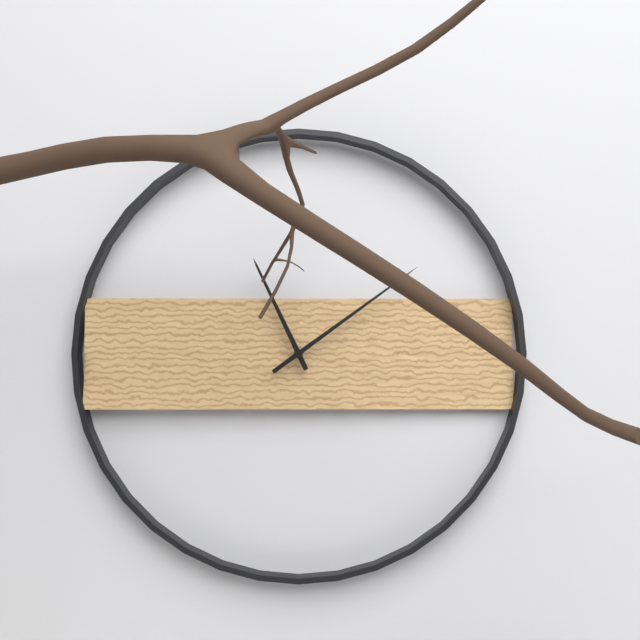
11:09
